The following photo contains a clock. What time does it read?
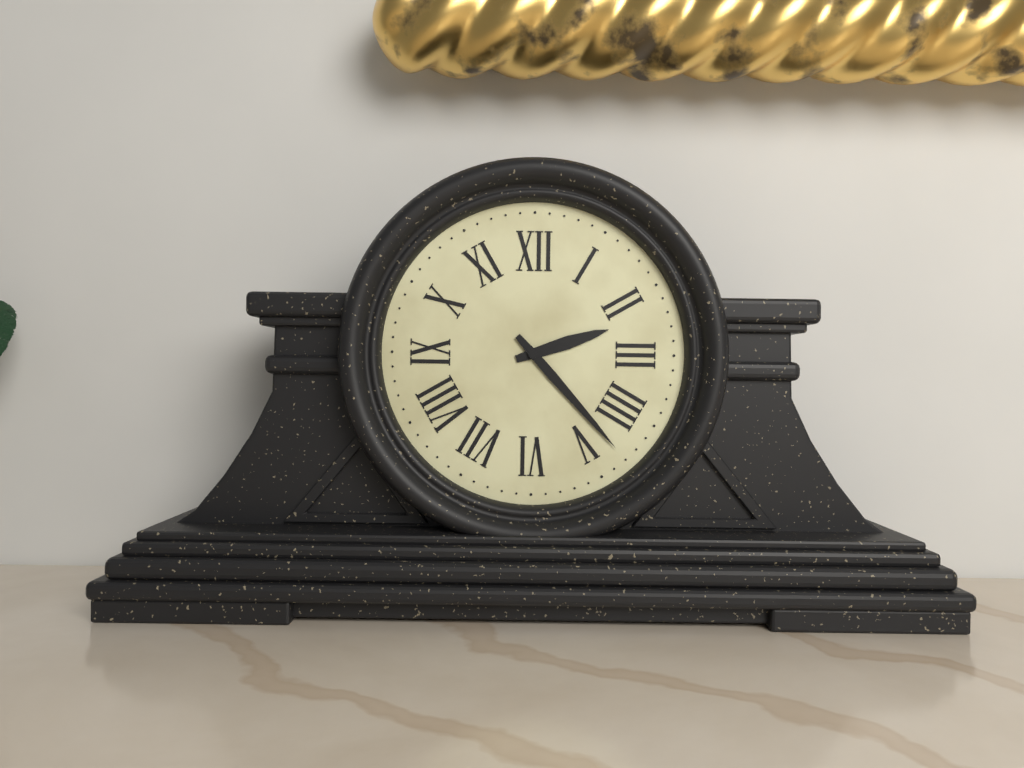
2:23
